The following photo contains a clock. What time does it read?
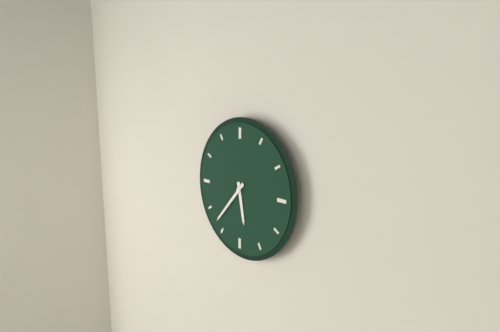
5:37
